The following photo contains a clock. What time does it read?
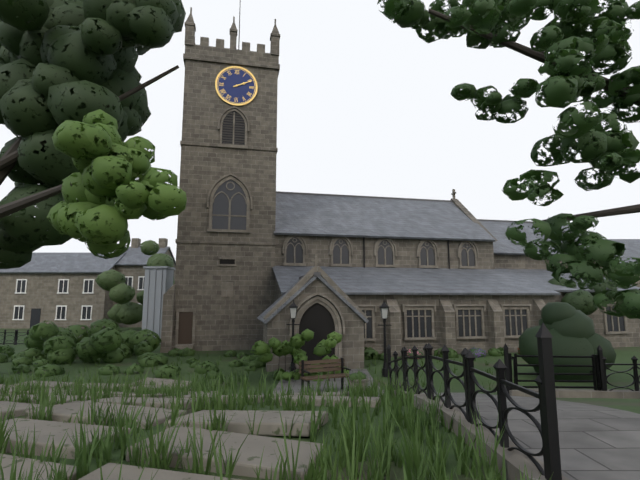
2:11
